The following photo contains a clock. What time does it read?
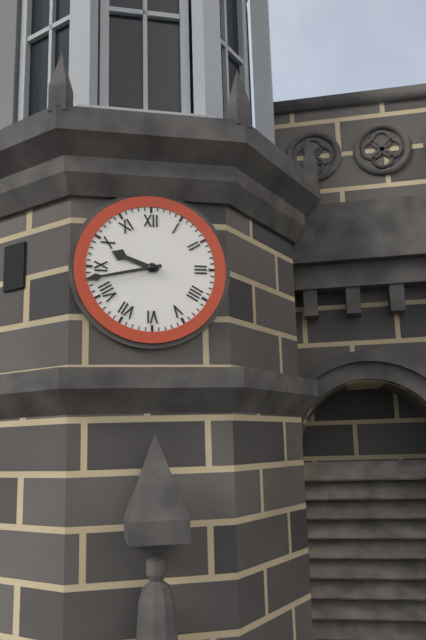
9:43
